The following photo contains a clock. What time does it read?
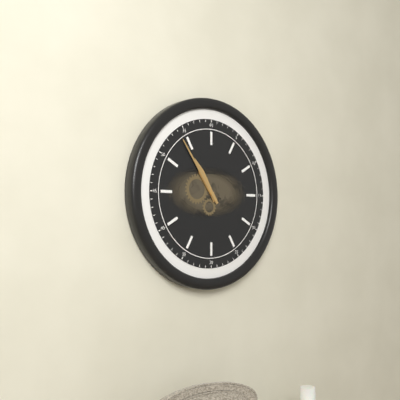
10:54
